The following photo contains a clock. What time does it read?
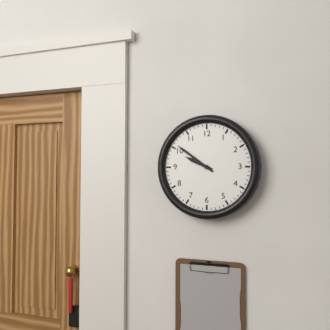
9:51
